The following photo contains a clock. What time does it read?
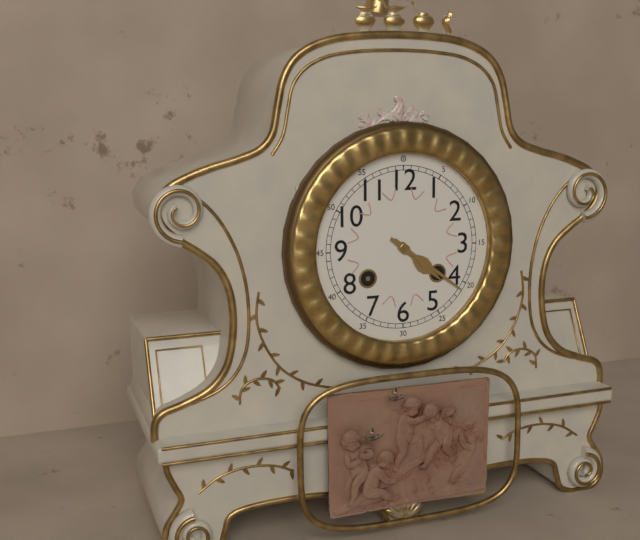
4:21
